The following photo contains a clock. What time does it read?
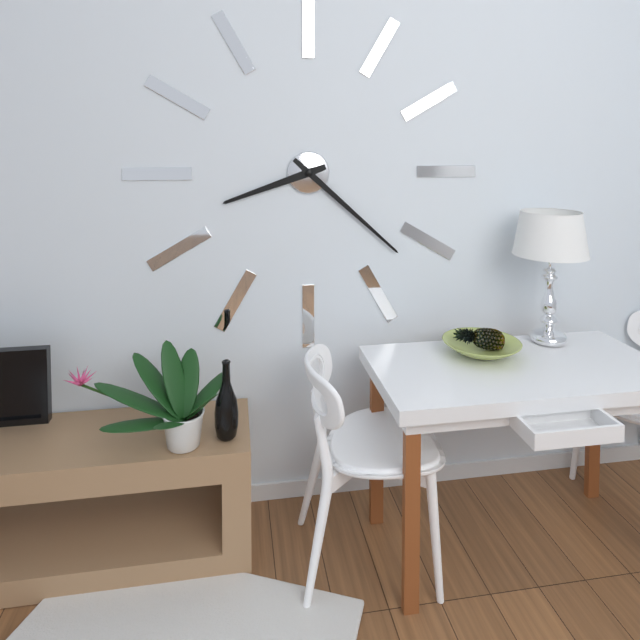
8:22
